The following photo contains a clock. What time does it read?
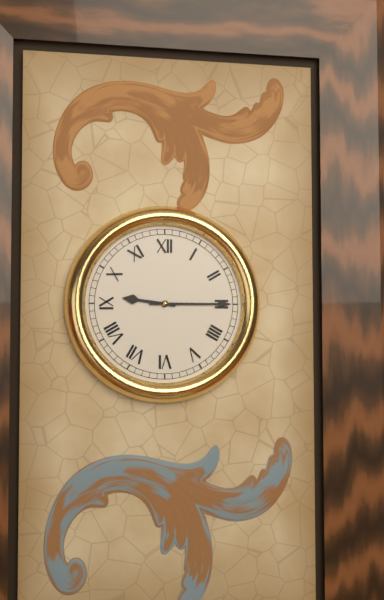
9:15
